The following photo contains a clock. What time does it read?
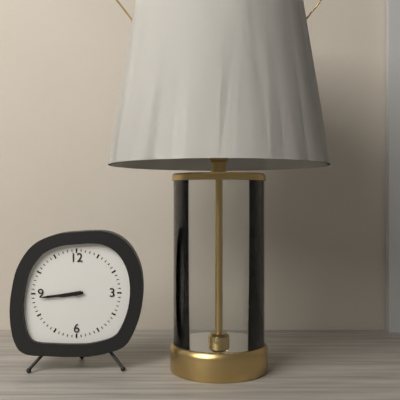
8:44
